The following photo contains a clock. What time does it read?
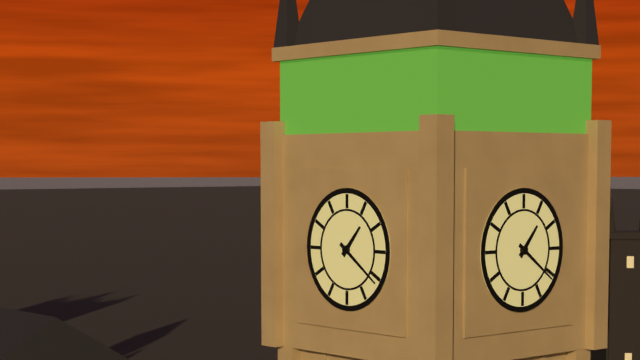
1:21
